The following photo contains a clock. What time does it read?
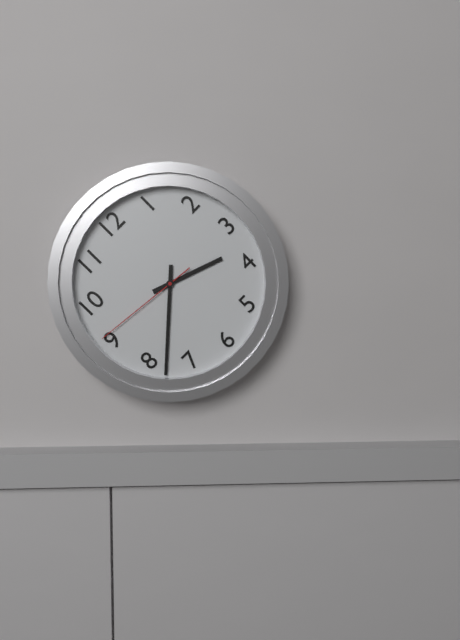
3:38:46
